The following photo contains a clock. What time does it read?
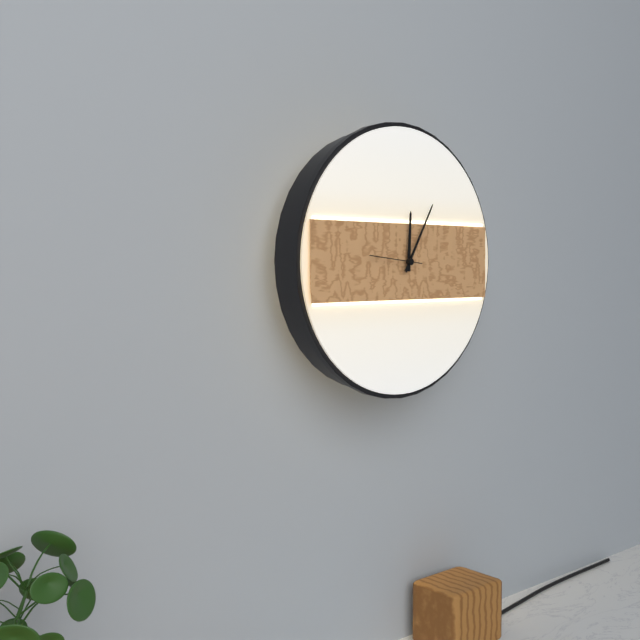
12:05:46
